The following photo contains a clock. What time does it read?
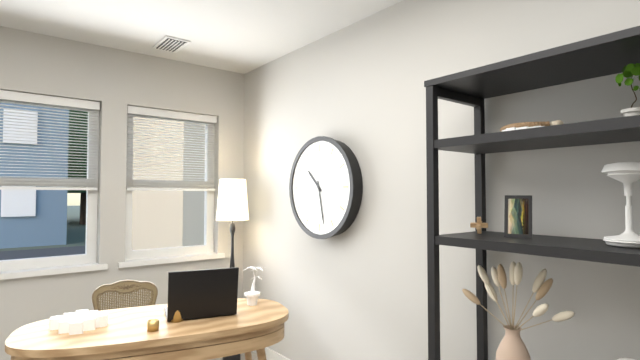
10:28
